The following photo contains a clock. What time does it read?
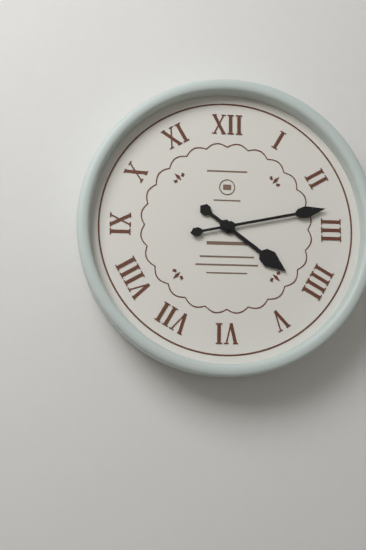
4:13
